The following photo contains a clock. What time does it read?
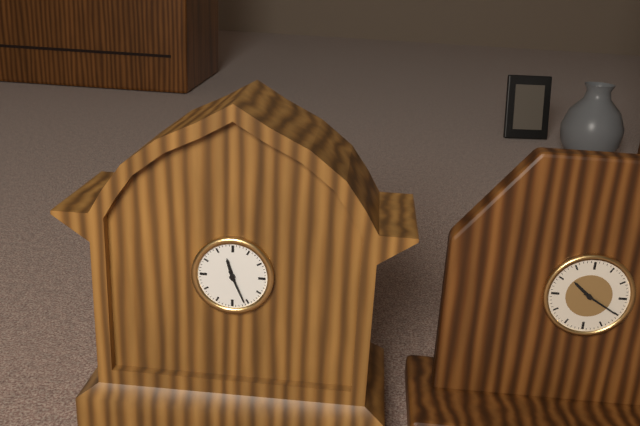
11:26
